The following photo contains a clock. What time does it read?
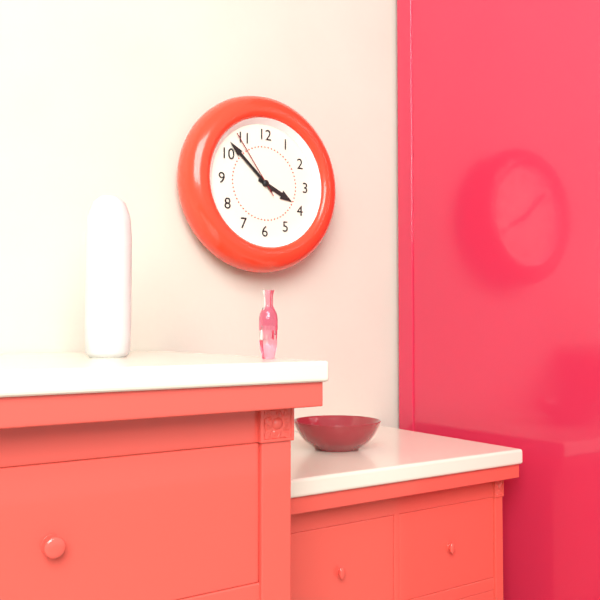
3:52:54
